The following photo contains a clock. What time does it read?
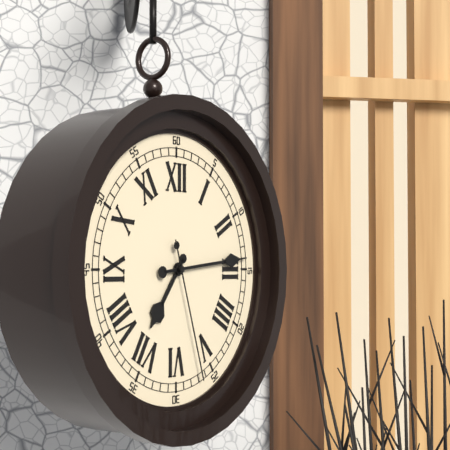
7:14:27
